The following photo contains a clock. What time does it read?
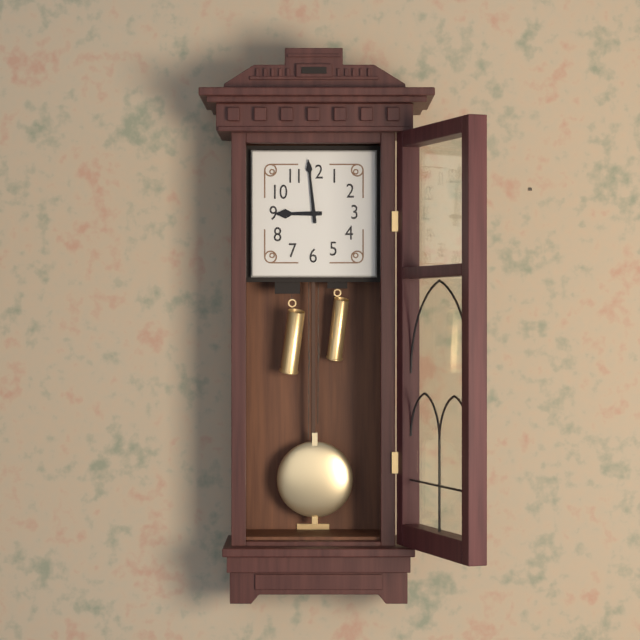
8:59
